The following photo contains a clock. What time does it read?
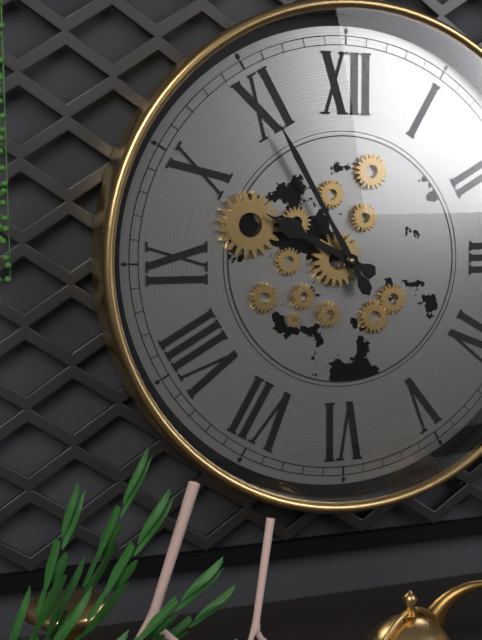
9:55
